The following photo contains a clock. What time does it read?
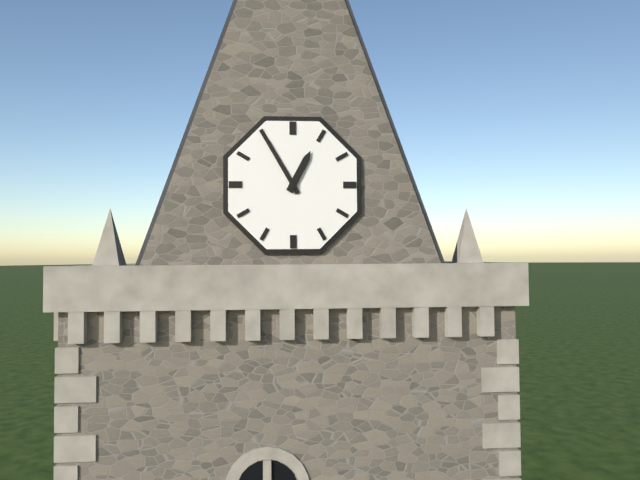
12:55
